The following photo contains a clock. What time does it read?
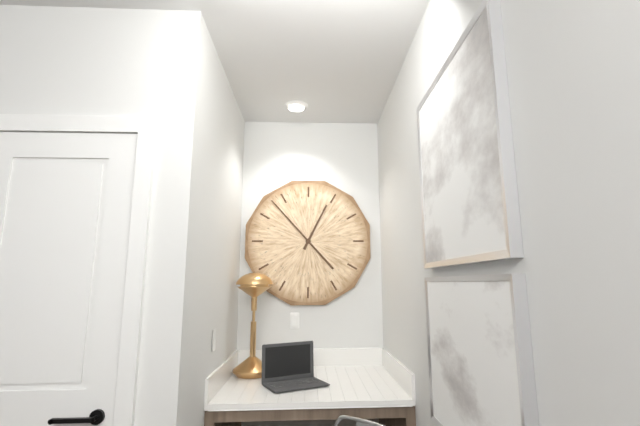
12:53
